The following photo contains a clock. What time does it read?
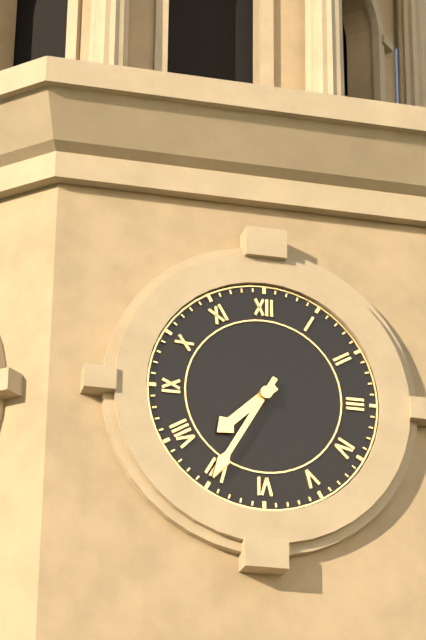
7:35
